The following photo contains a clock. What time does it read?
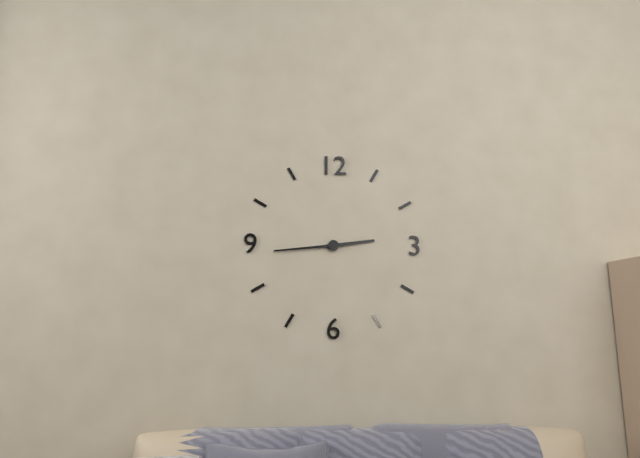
2:44
